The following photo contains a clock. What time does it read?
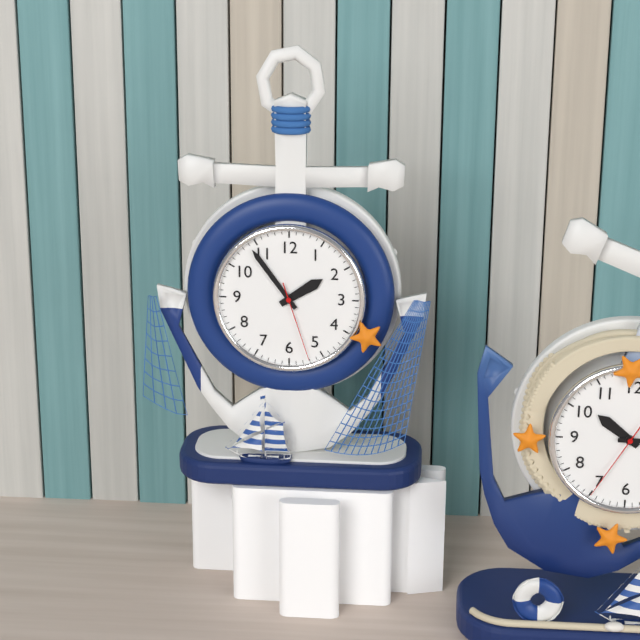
1:54:27
